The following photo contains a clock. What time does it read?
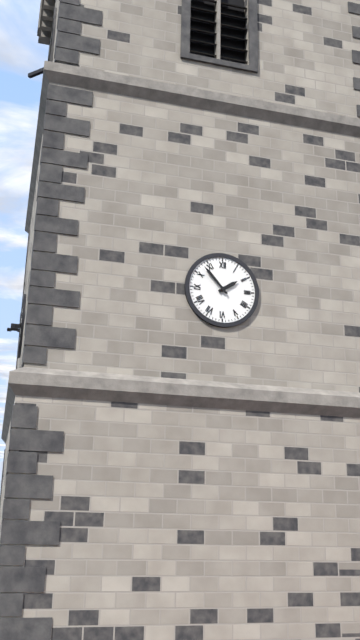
1:53
